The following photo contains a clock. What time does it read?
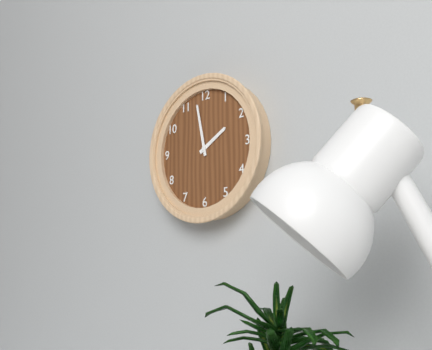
1:58
